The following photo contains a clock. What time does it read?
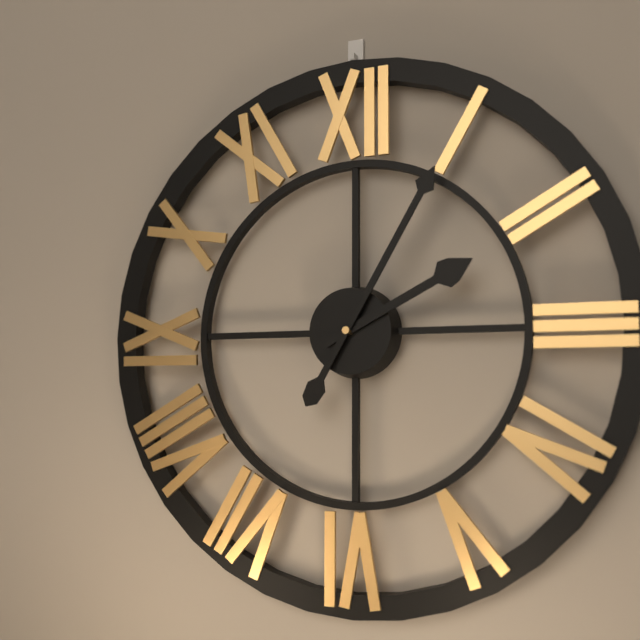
2:05
